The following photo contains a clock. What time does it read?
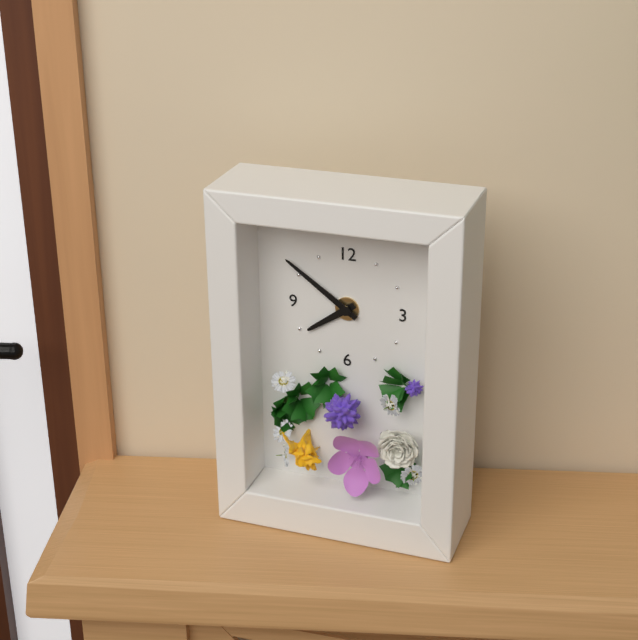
7:51
